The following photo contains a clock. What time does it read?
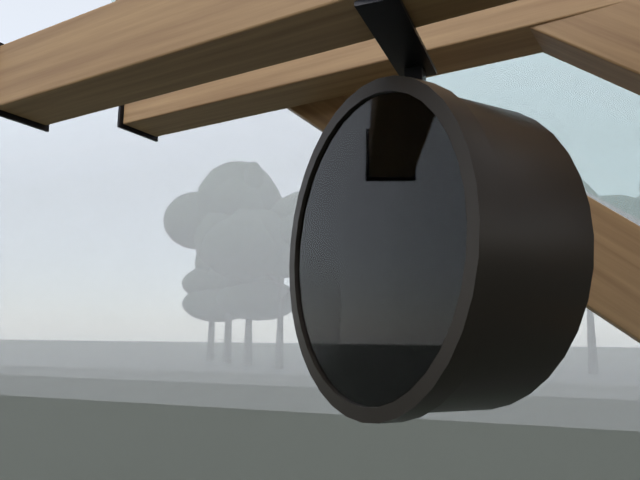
4:16
